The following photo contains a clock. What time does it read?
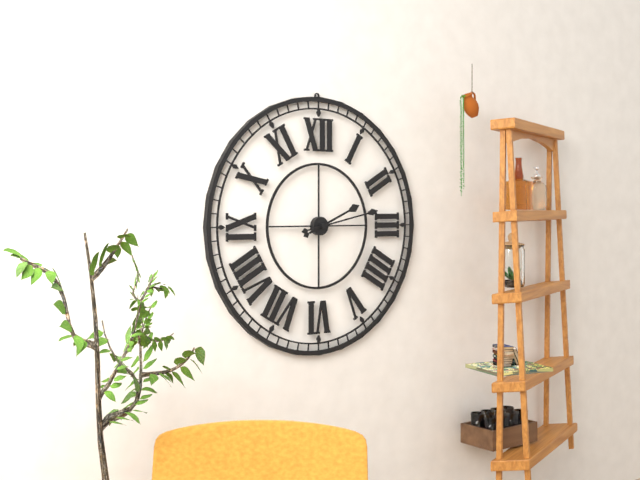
2:13
